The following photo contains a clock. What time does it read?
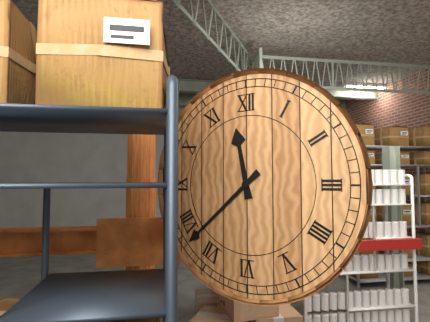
11:38
